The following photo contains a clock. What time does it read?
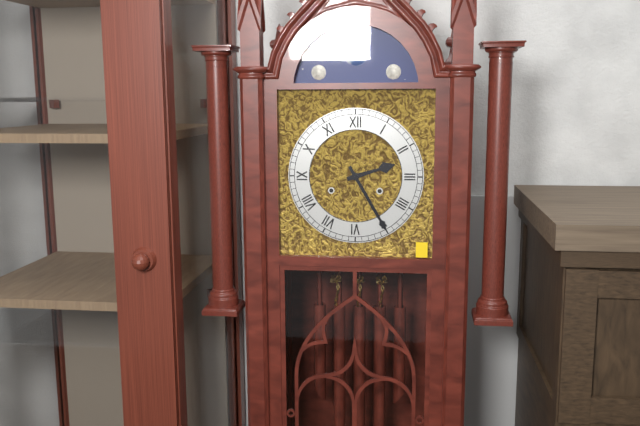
2:25
